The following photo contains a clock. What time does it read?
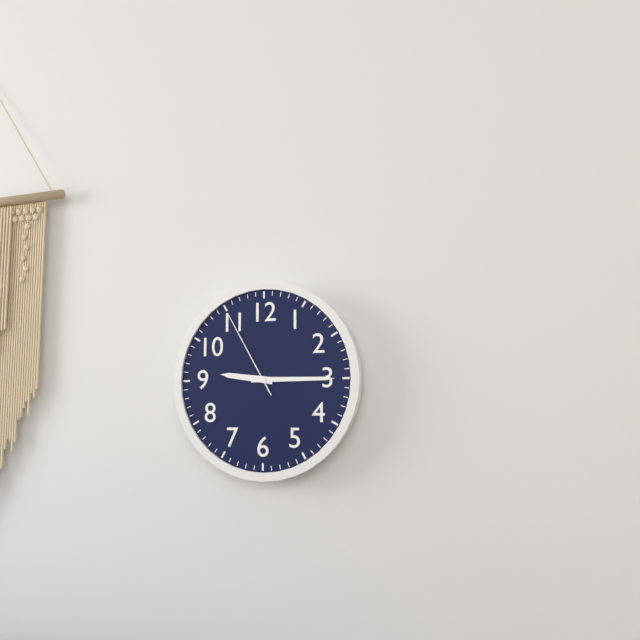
9:15:55
